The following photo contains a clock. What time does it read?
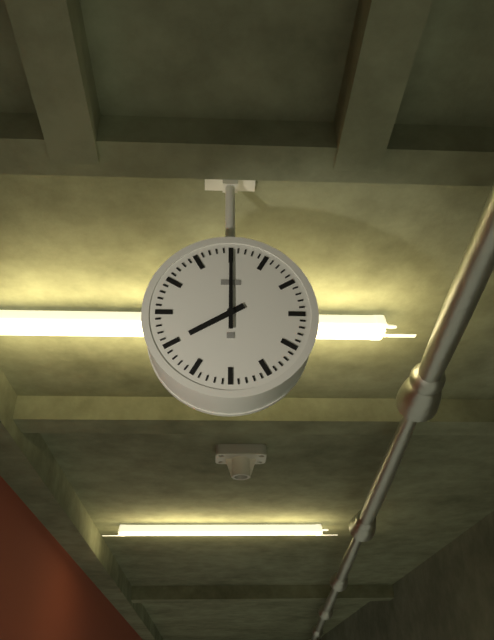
8:00
